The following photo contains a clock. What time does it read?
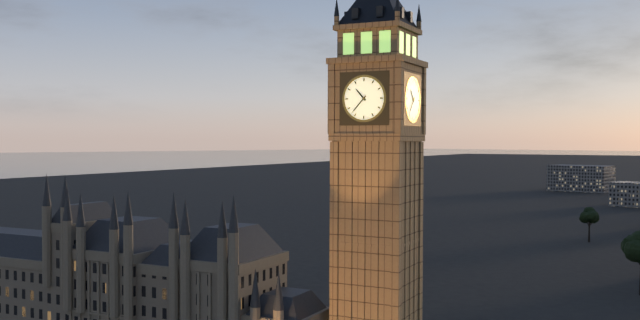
10:37
